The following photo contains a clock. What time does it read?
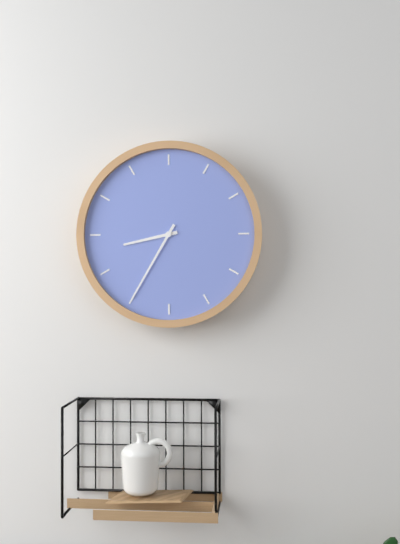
8:35
